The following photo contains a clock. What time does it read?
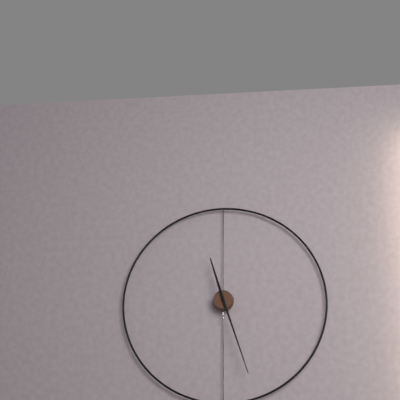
11:27
